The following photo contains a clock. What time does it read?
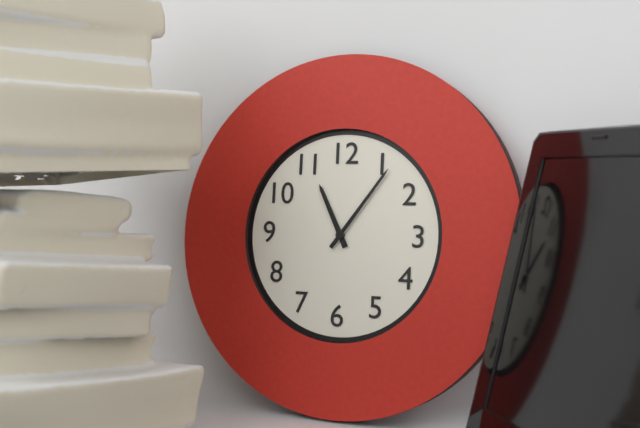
11:06
